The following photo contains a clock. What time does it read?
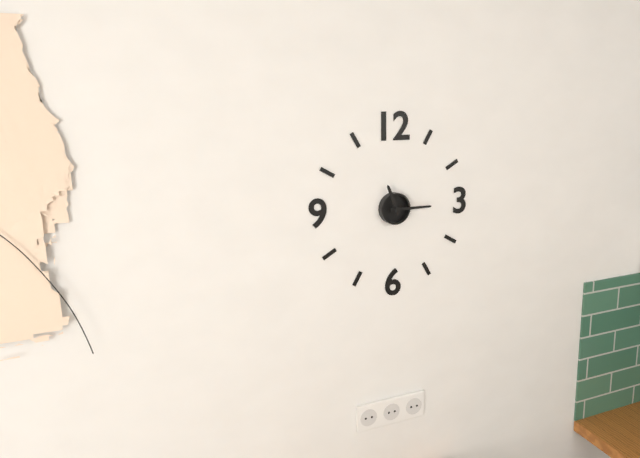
11:15
